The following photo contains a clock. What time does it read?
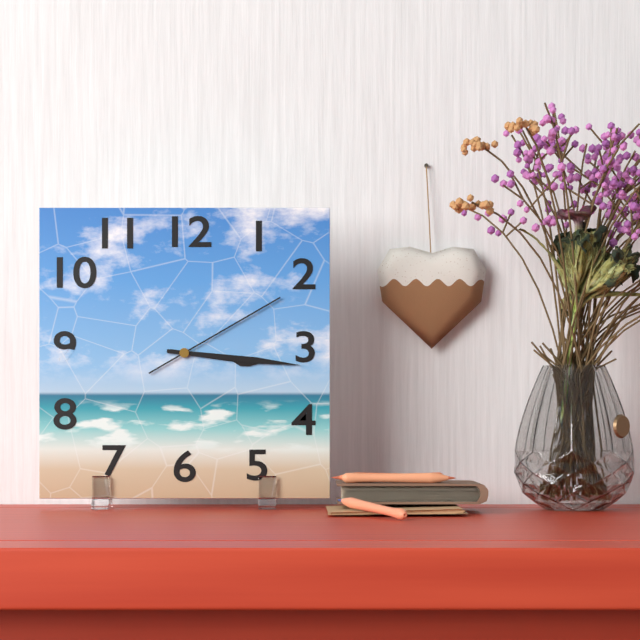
3:16:10
